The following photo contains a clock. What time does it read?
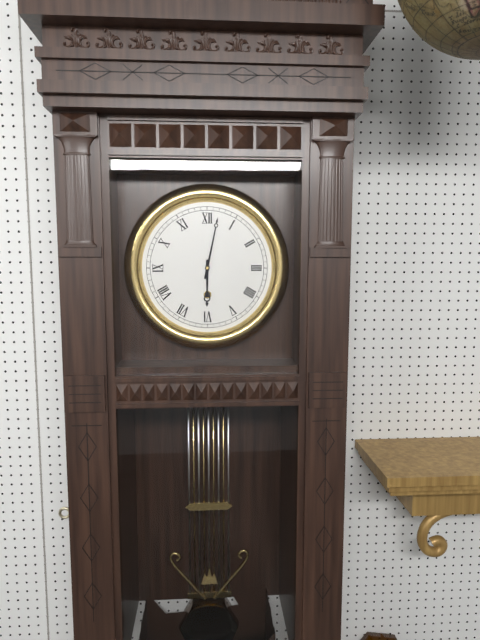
6:02
